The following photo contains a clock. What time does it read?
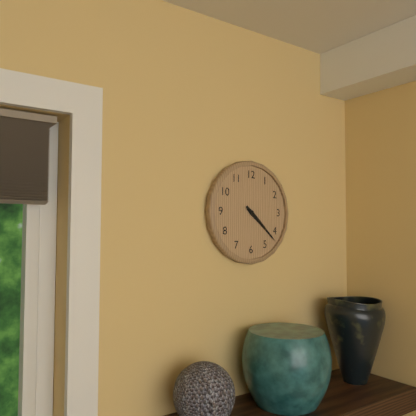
4:22
